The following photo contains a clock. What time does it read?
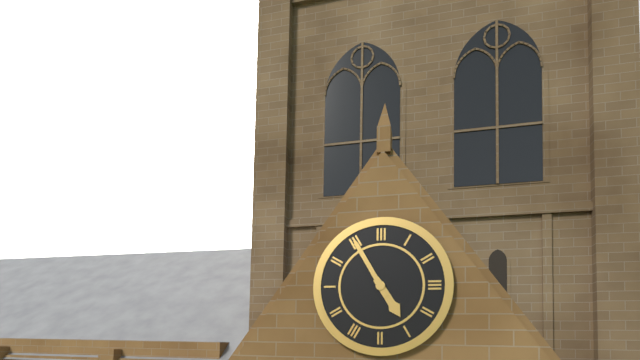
4:55
